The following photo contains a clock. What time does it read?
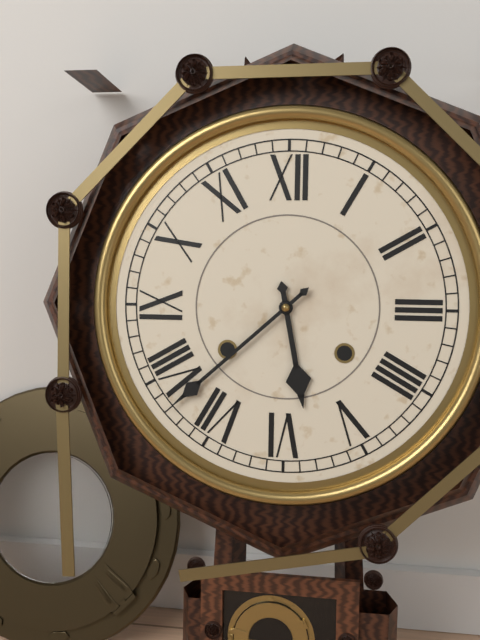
5:38
